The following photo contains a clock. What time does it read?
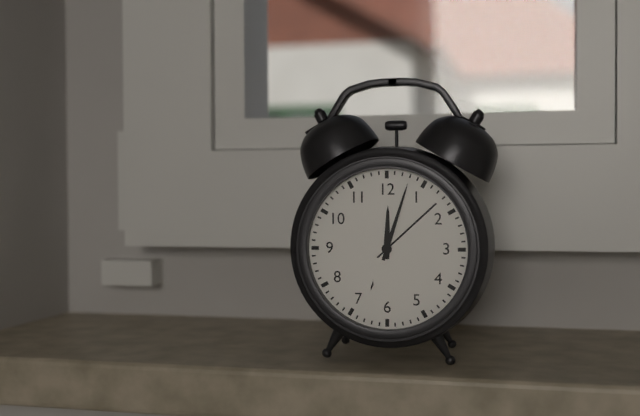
12:03
